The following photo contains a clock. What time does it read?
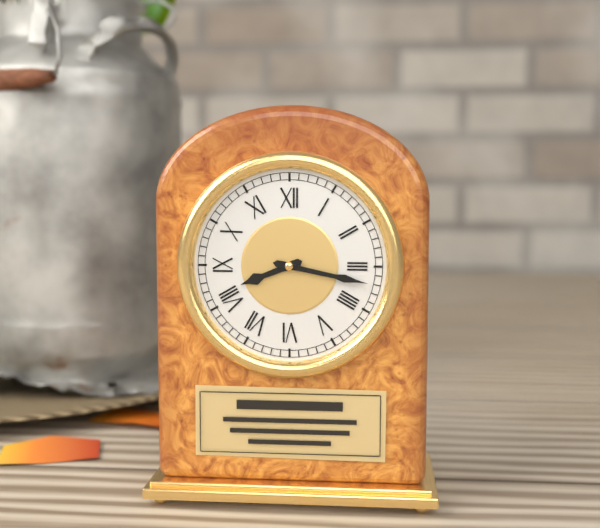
8:17
